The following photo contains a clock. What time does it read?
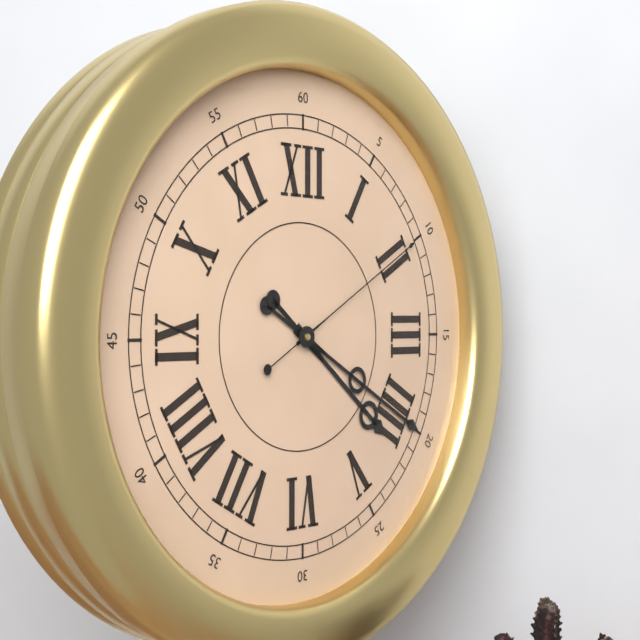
4:20:10
